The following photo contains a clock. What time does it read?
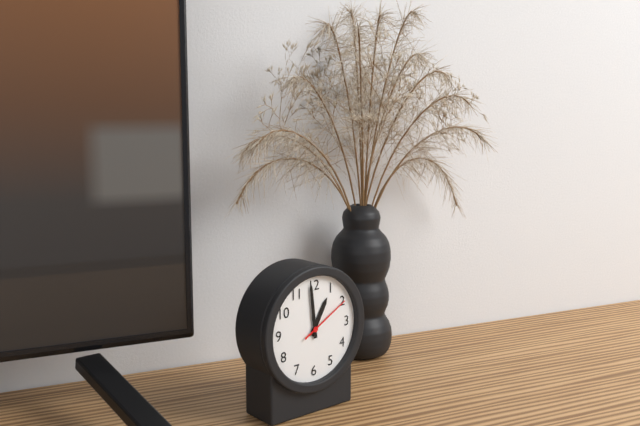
12:59:10
